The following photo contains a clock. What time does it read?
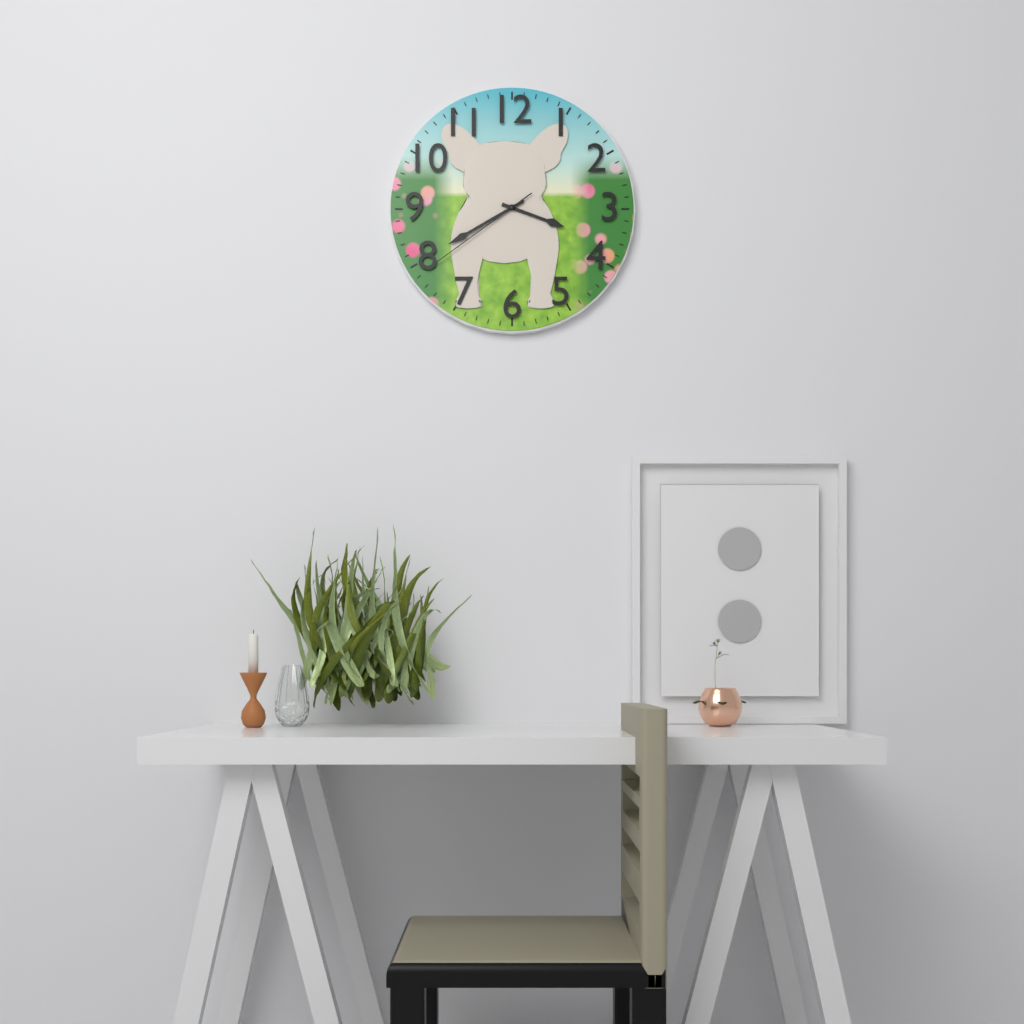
3:40:39
